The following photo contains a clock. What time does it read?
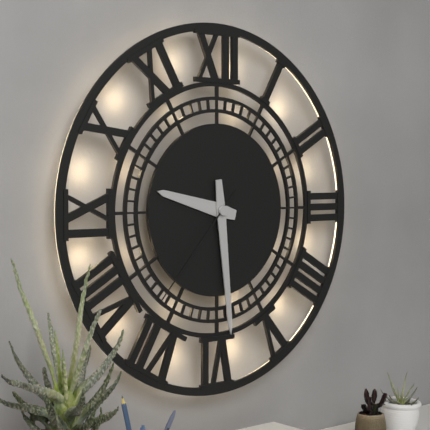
9:29:37
